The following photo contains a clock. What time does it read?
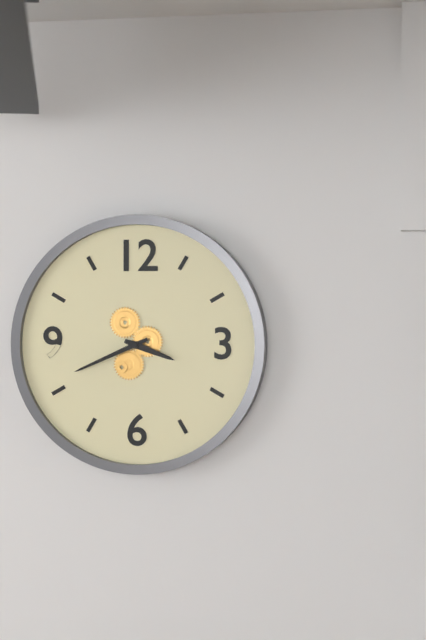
3:41
